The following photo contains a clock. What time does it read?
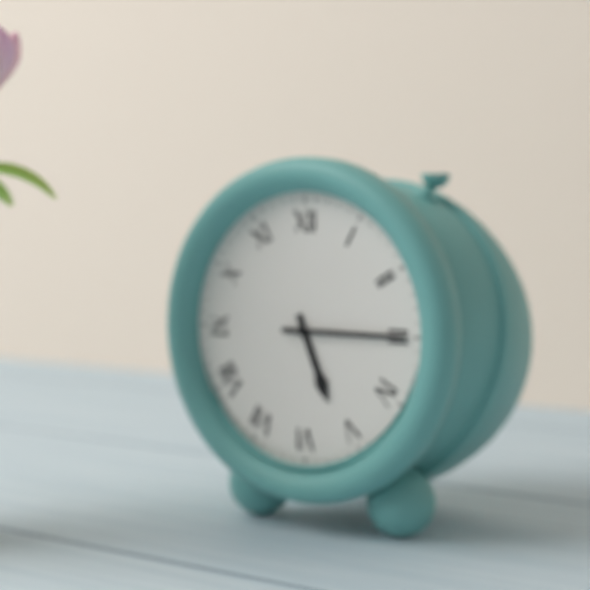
5:15
